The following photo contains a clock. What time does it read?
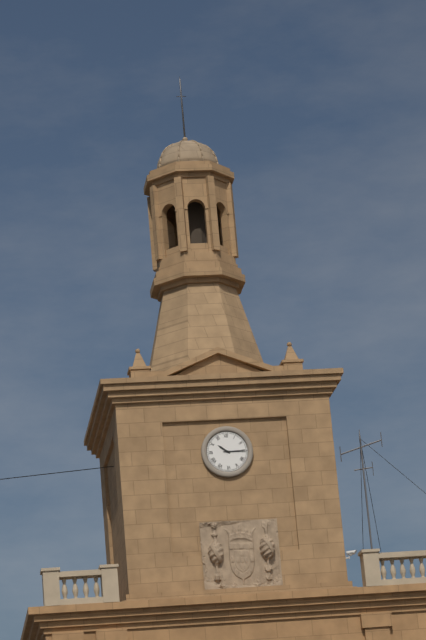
10:15
